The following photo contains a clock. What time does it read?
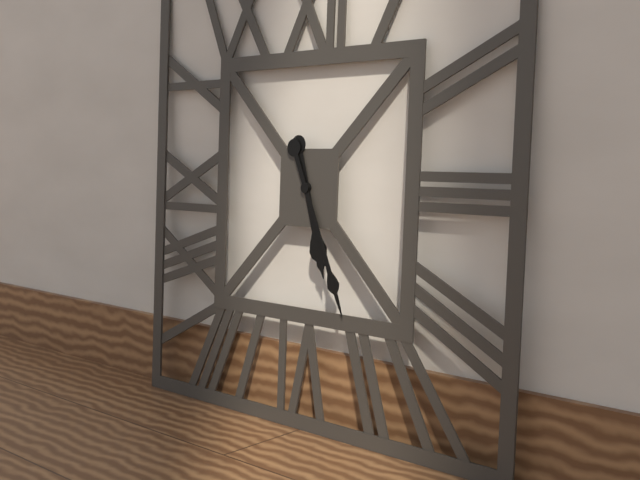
5:26
